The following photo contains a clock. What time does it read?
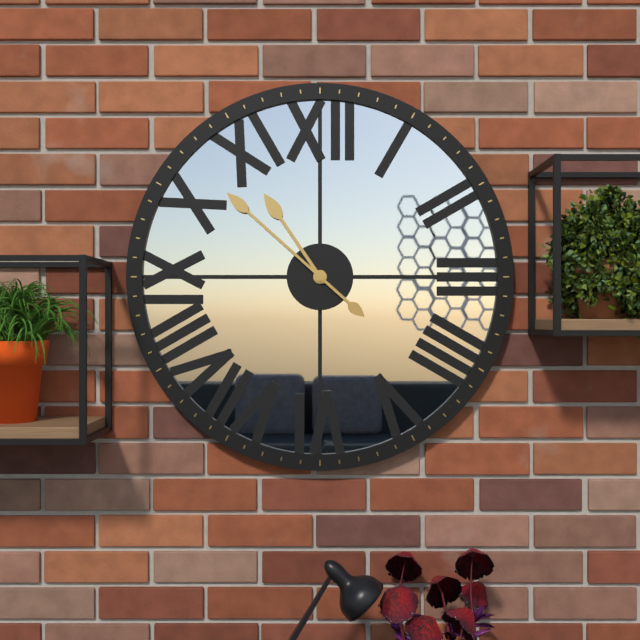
10:52
